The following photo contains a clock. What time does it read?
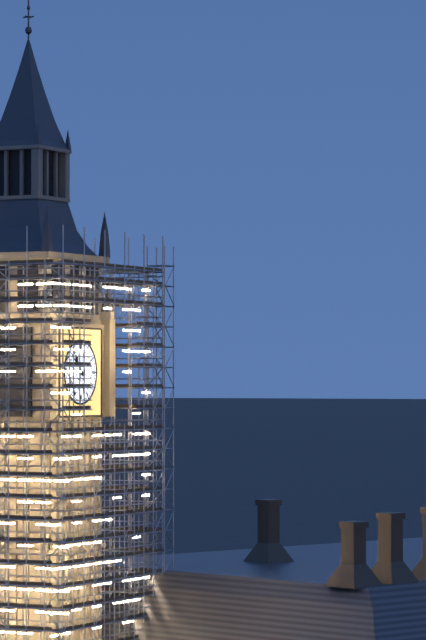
10:52
